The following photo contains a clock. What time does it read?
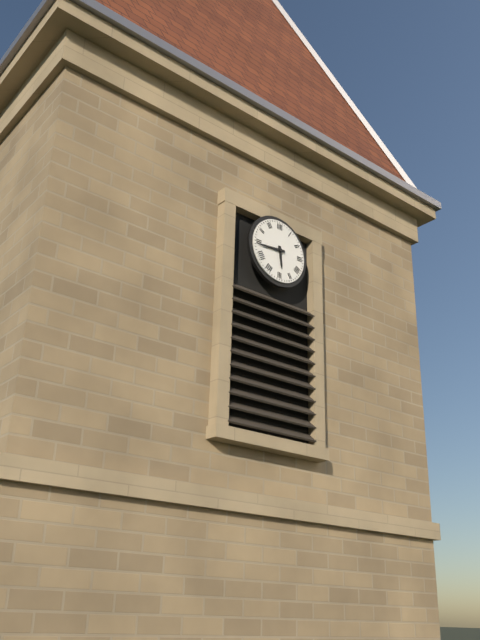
5:44
